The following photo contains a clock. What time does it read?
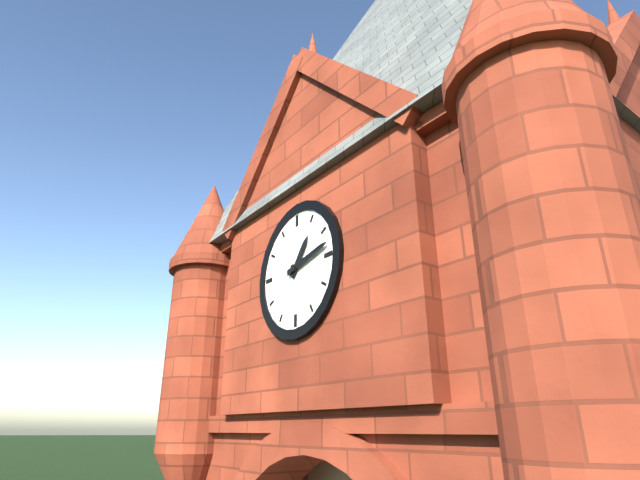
1:13
